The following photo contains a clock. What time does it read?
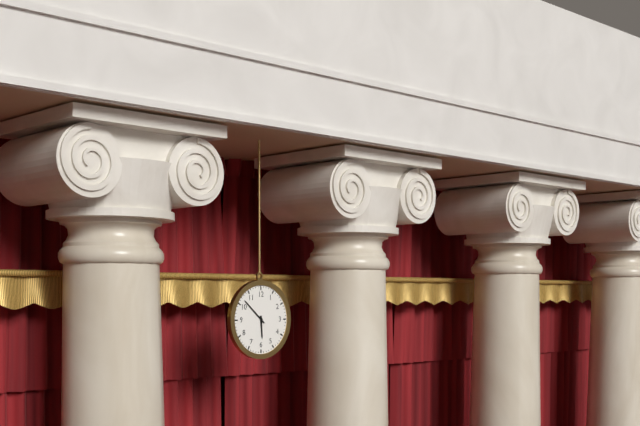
5:52
